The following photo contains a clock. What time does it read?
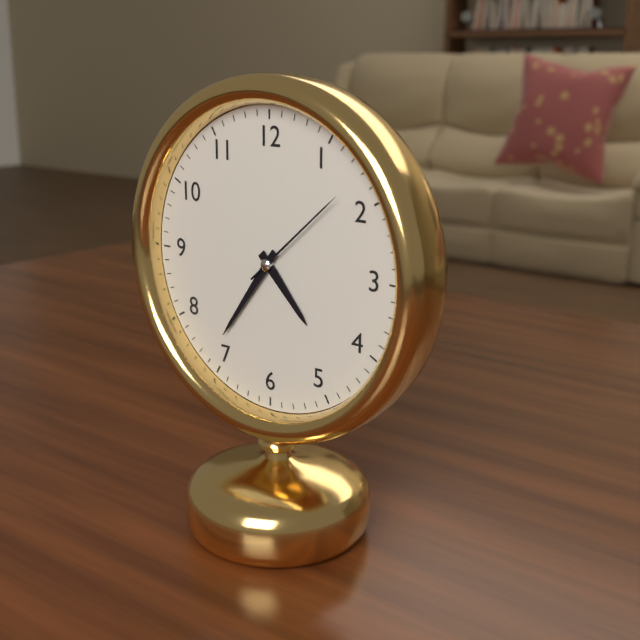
4:36:08
